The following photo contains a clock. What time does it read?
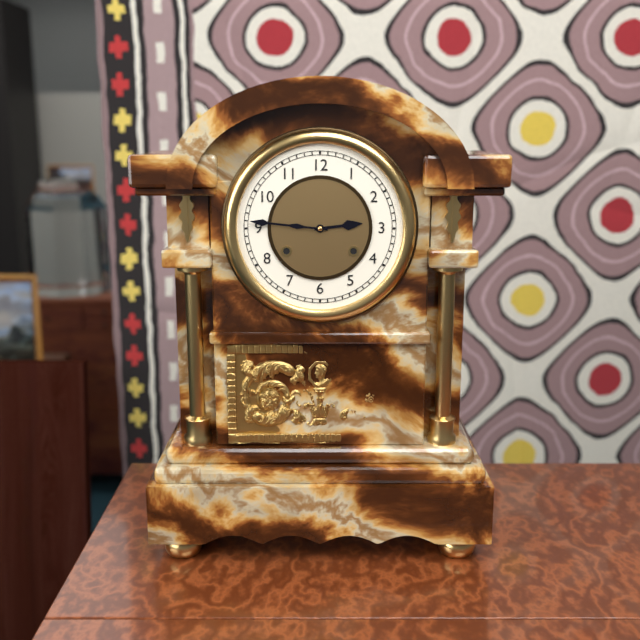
2:46
